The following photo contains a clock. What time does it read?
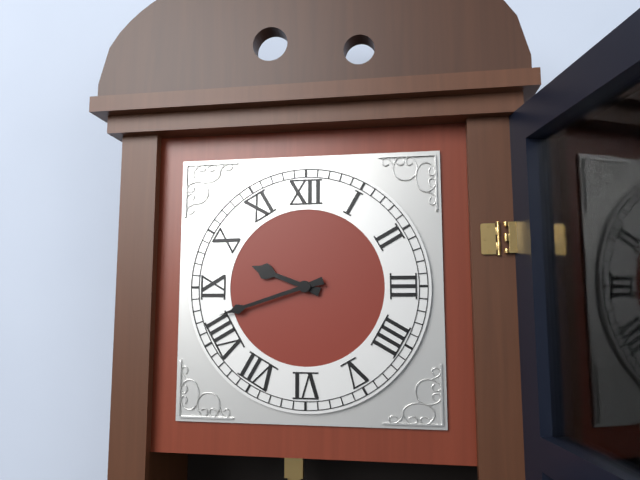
9:42
